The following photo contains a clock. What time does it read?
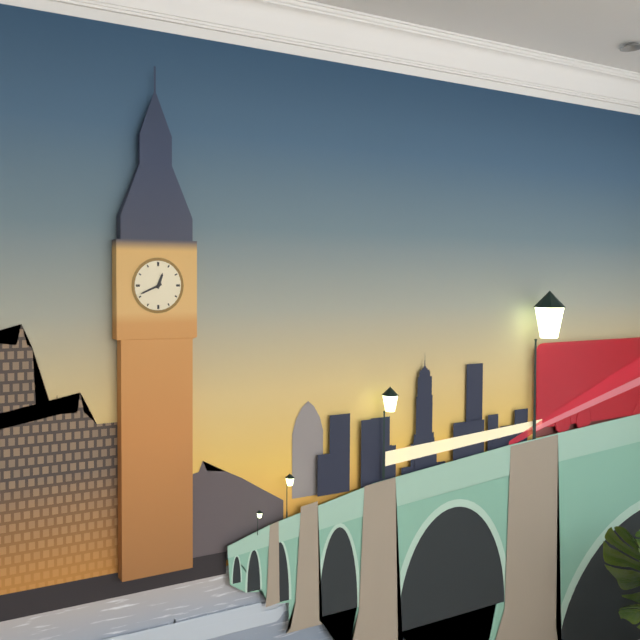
12:41
